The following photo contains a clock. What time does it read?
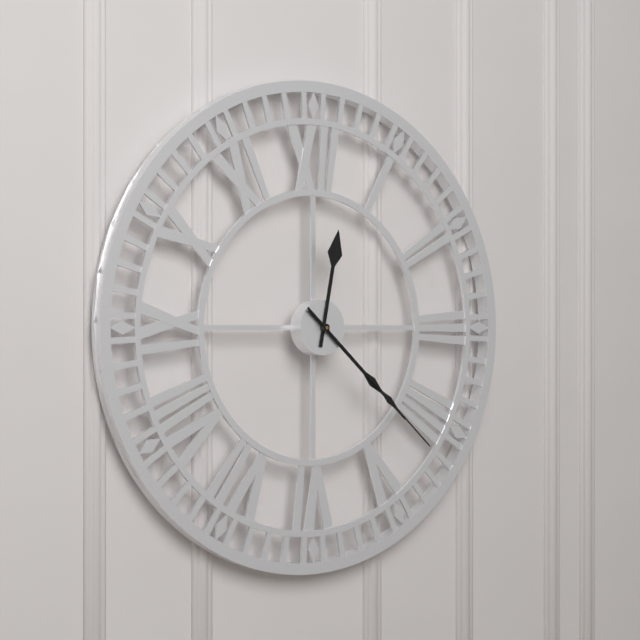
12:22:22
